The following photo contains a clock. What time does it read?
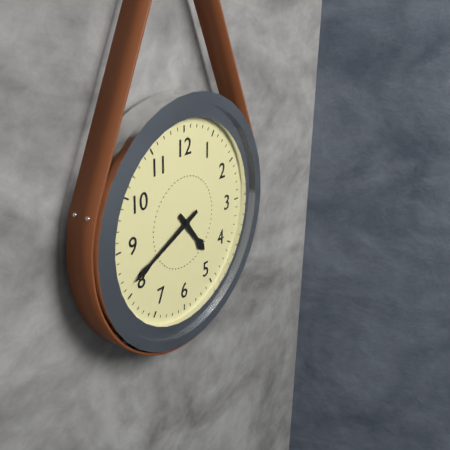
4:41
